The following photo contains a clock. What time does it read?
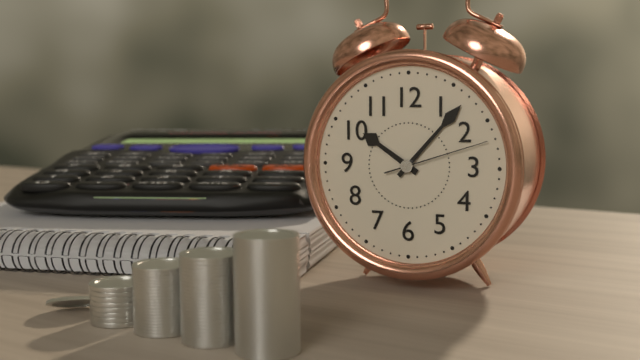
10:07:12
